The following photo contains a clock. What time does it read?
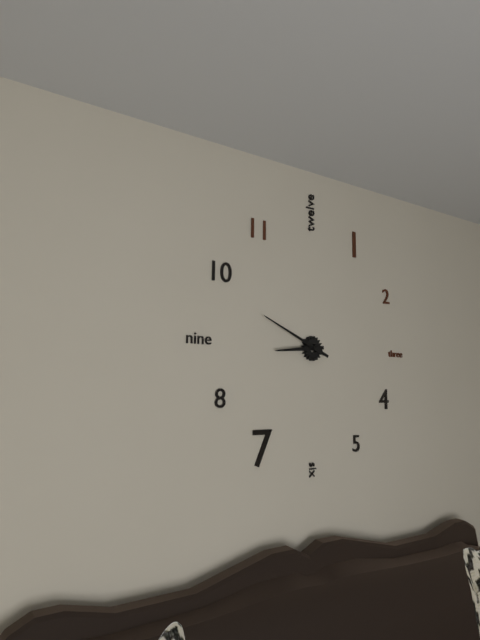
8:49
